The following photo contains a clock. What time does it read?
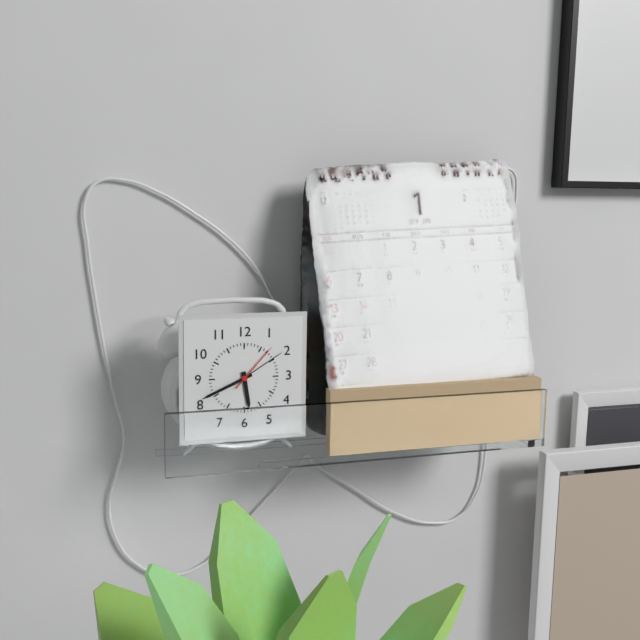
5:41:07
